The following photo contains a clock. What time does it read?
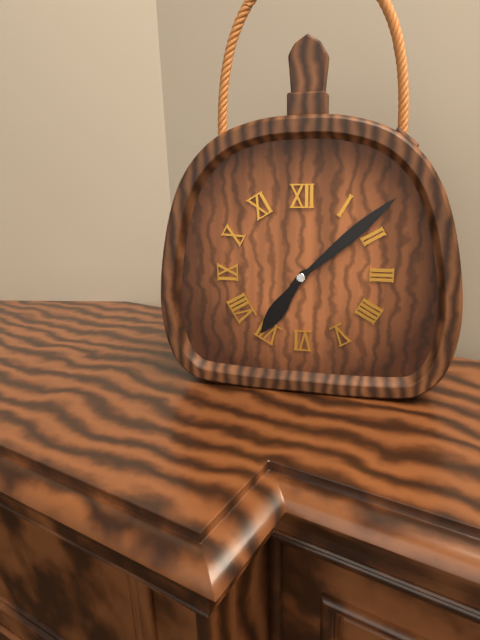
7:08
